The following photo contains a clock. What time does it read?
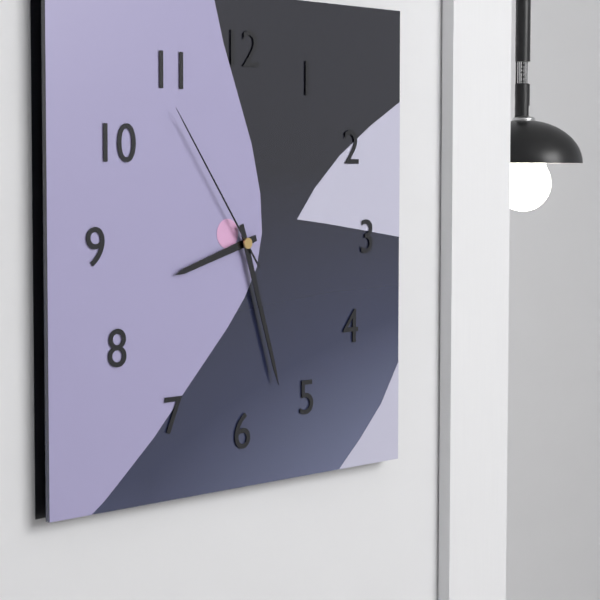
8:27:54
